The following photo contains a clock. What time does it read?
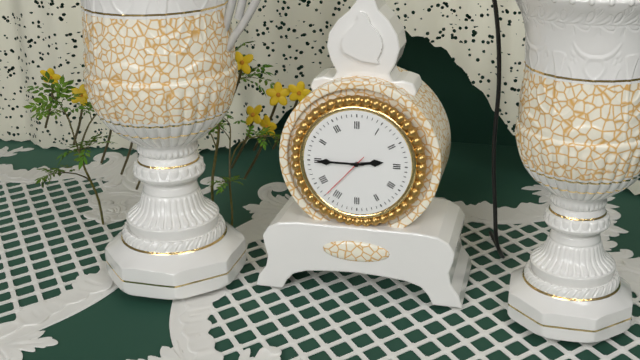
2:45:37
